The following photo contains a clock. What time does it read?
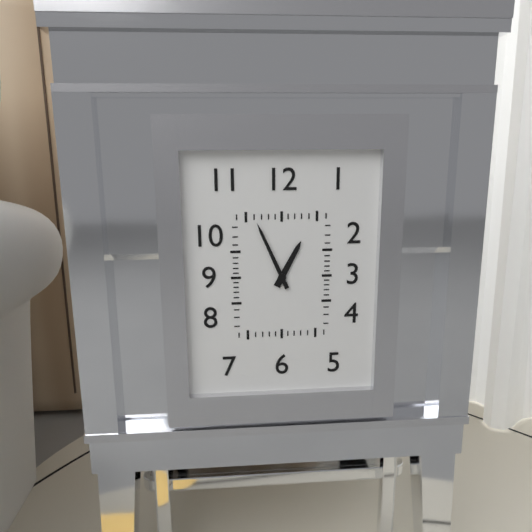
12:56
